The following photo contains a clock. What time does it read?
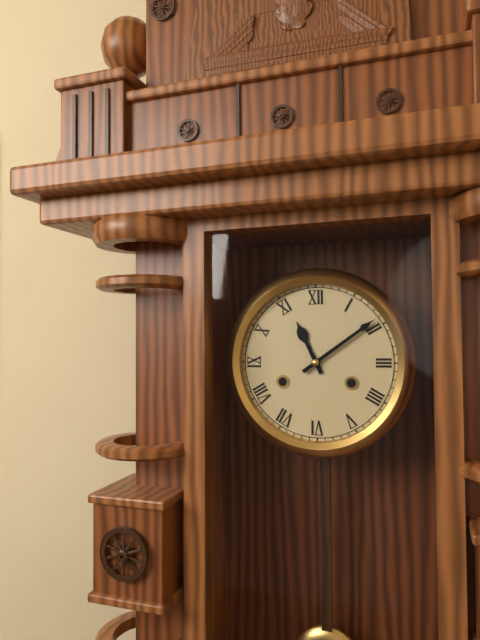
11:09
